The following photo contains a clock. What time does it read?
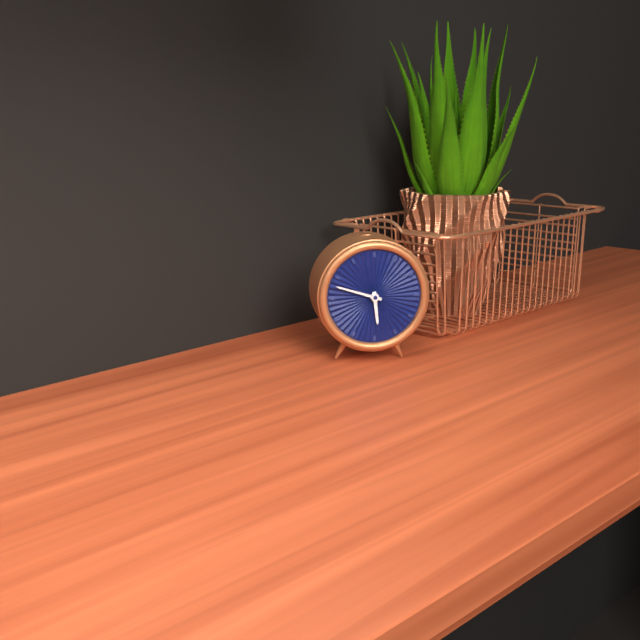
5:48
